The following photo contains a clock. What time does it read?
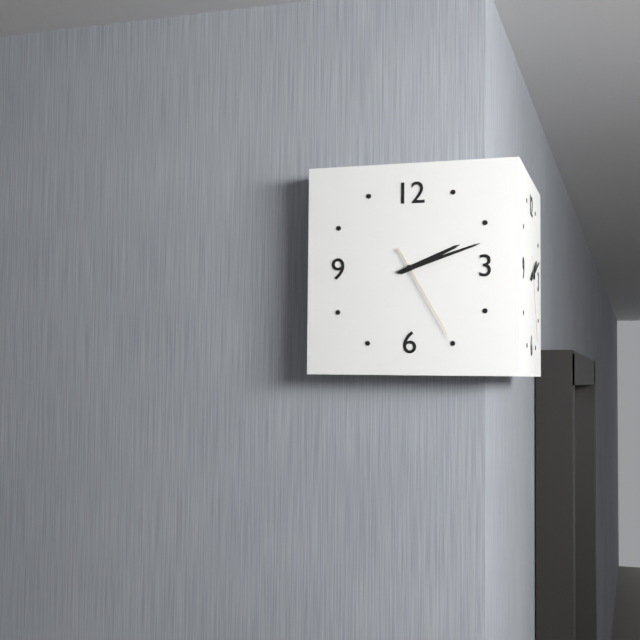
2:12:25
